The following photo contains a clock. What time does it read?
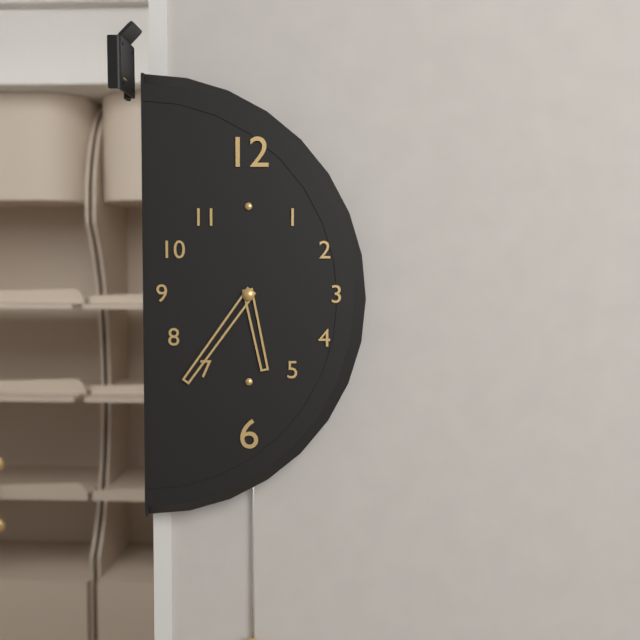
5:36
